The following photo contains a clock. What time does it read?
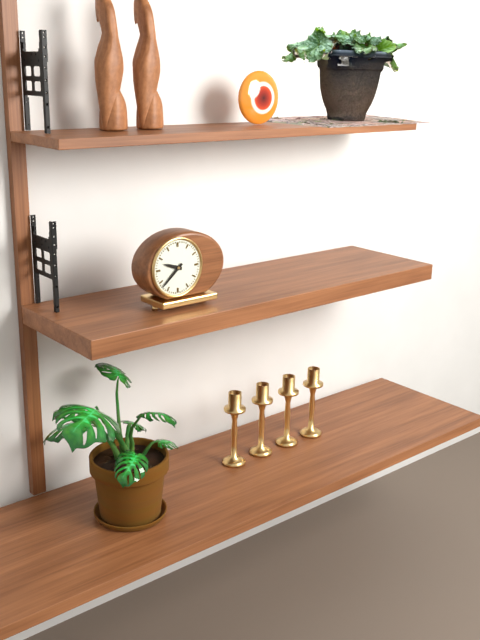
9:38
